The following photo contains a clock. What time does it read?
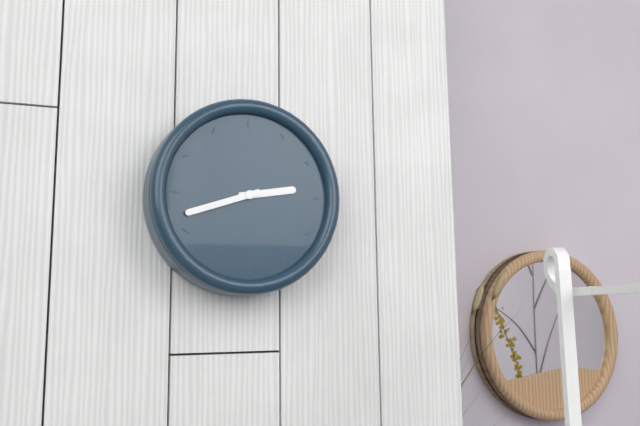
2:42
